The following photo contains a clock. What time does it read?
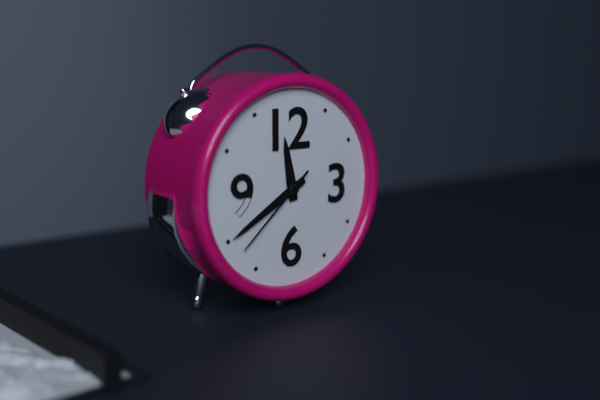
11:40:38
